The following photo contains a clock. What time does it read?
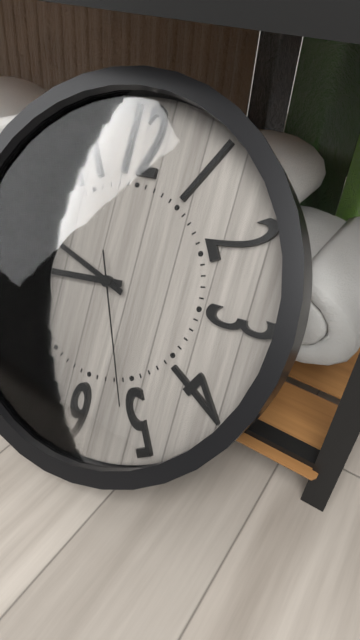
8:48:26
